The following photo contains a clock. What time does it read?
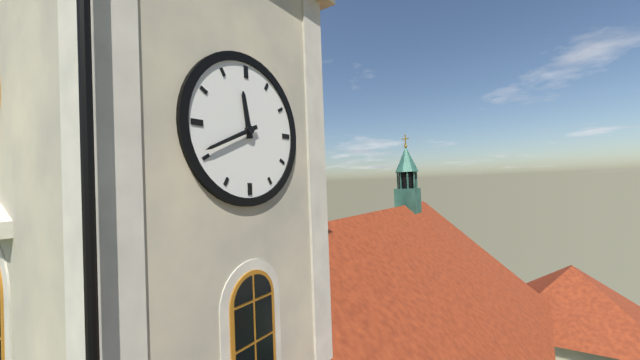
11:41
